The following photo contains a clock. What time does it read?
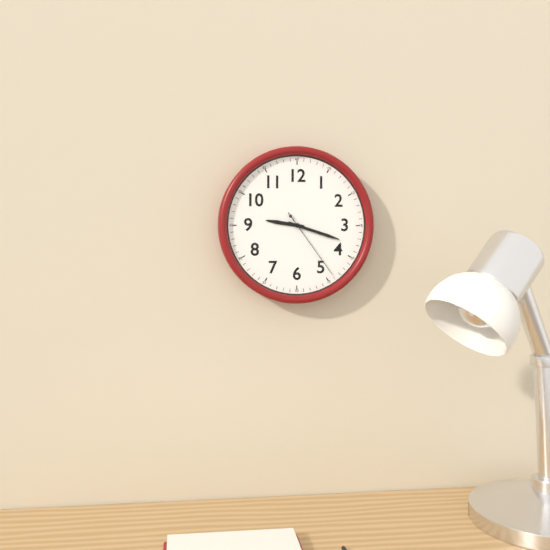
9:18:24
